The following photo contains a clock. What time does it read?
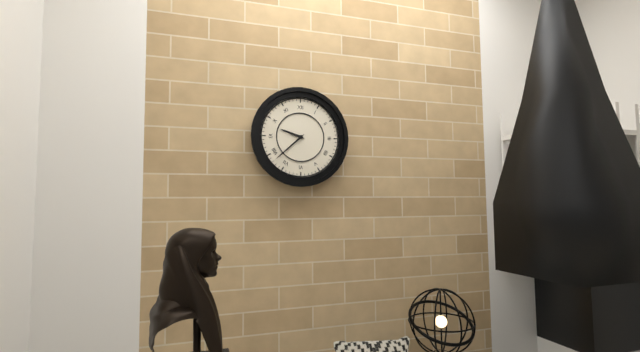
9:38
